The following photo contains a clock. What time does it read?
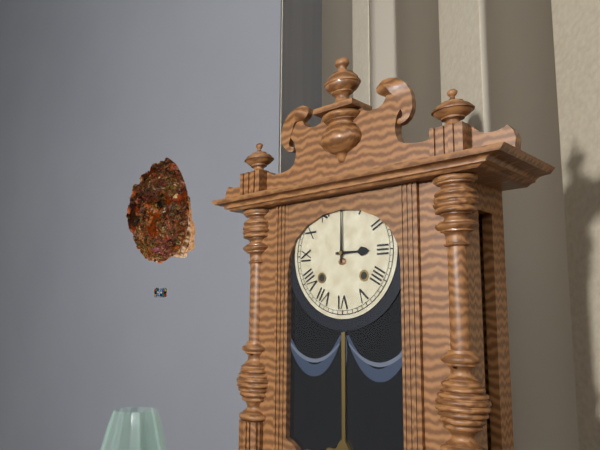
3:00
